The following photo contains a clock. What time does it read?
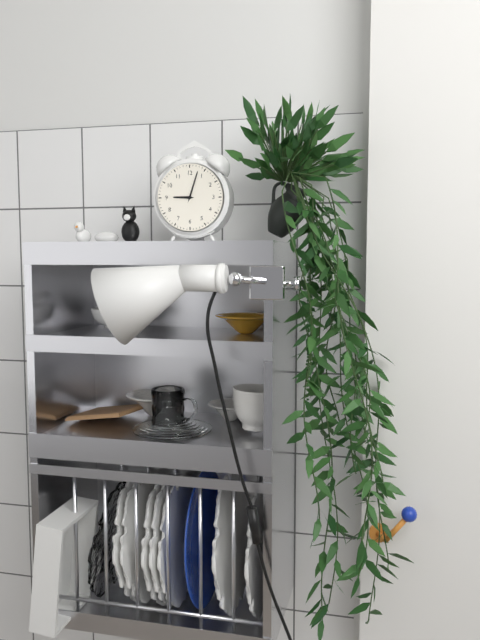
9:03
